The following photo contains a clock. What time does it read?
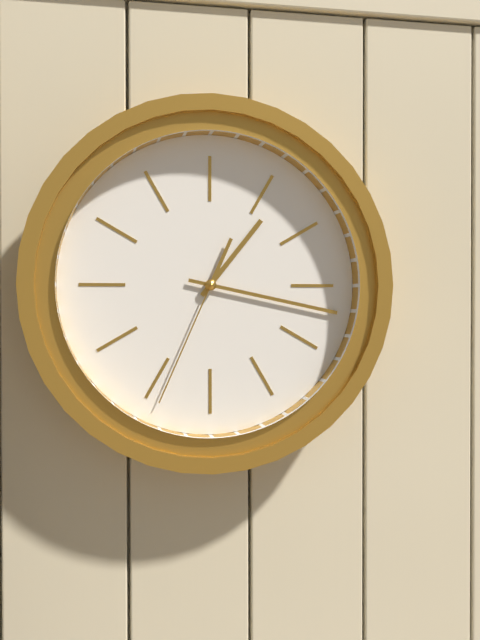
1:17:34
